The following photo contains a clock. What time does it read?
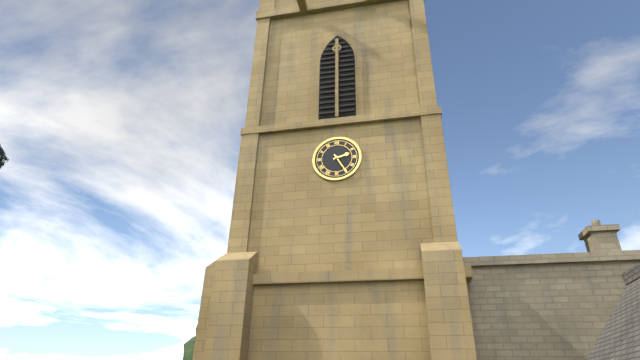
2:25
